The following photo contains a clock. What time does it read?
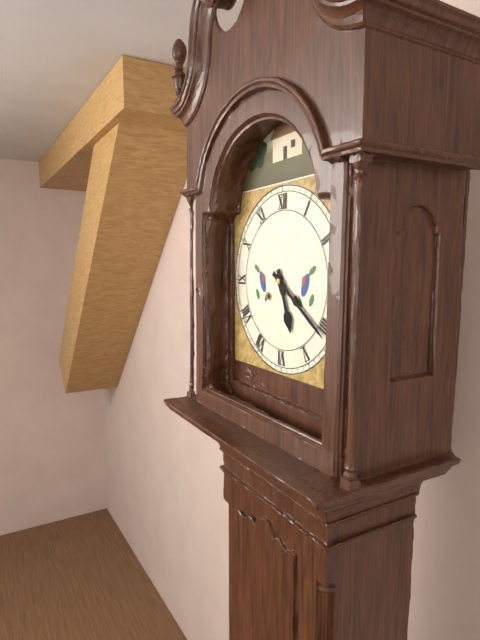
5:21
